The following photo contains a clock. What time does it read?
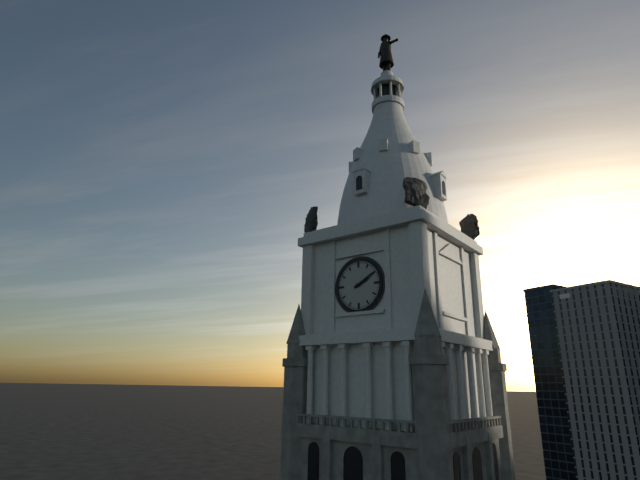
2:10
